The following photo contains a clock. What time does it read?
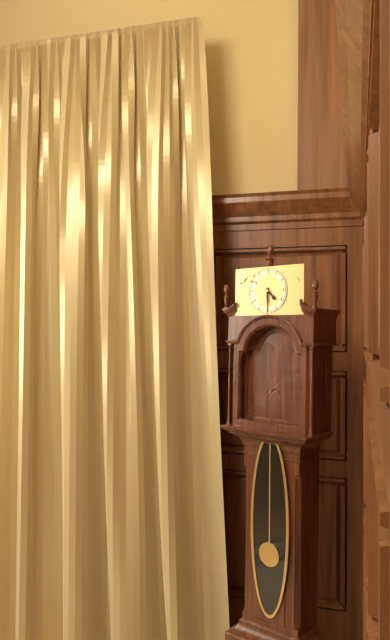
4:30
